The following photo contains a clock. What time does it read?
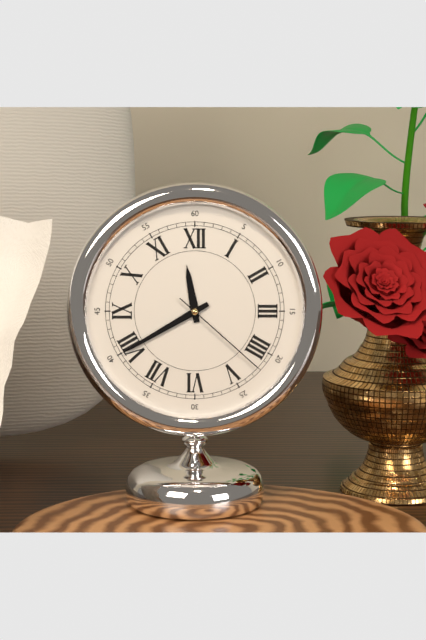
11:40:22
